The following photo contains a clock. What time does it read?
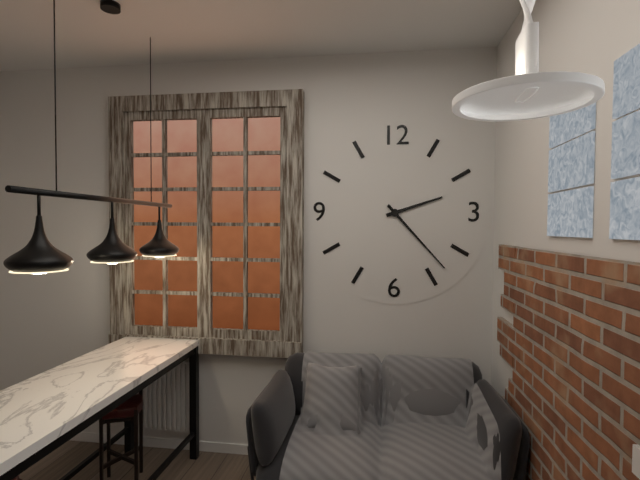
2:23
